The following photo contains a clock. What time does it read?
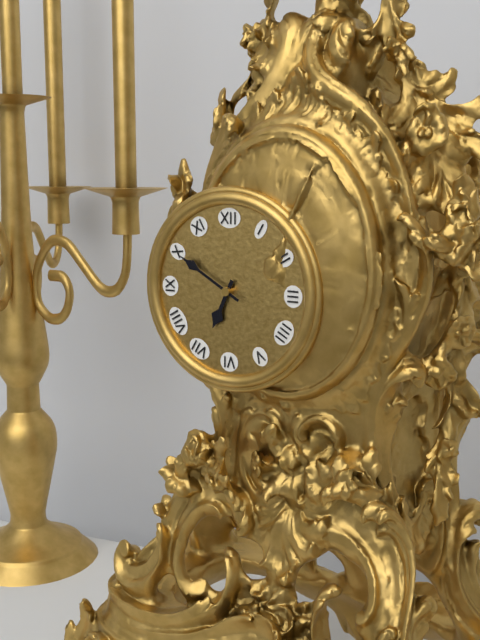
6:50
